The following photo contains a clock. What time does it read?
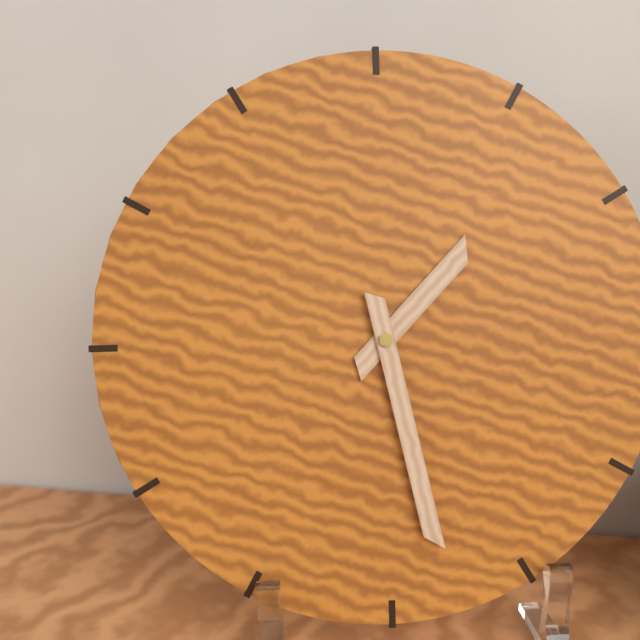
1:28
